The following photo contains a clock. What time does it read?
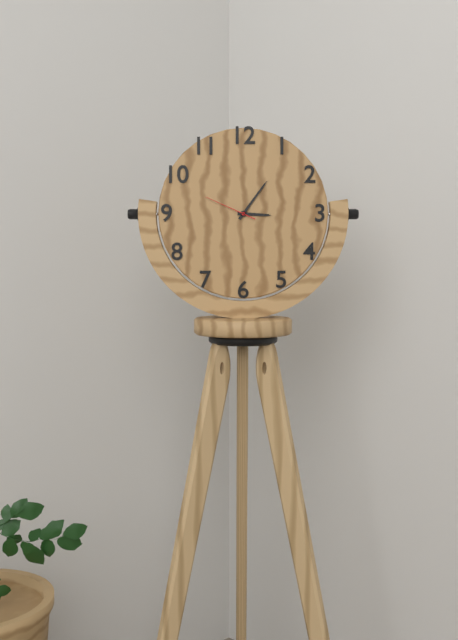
3:06:49
